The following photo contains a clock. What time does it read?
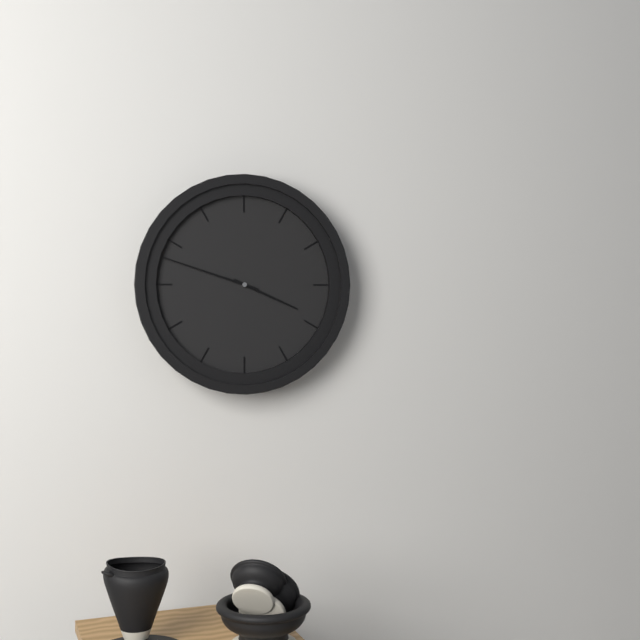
3:48
